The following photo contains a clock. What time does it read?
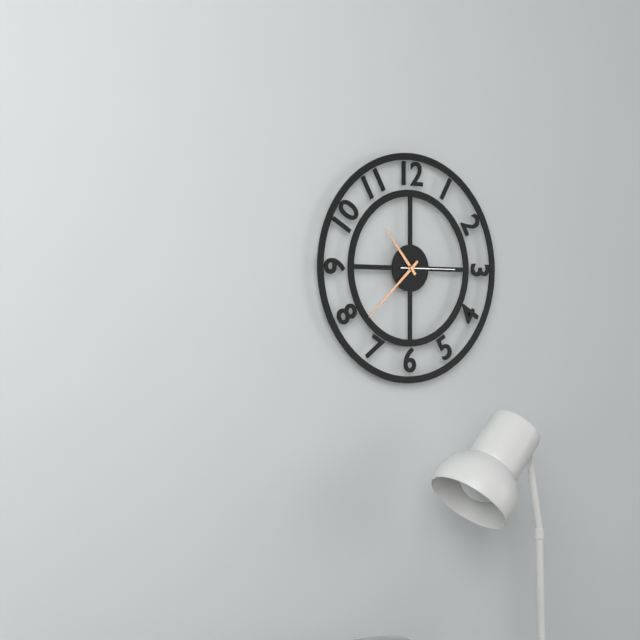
10:38:15
